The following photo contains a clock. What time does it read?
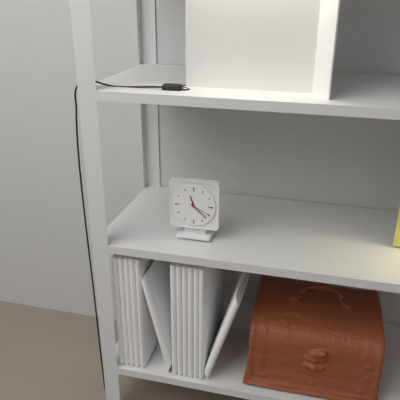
11:22
